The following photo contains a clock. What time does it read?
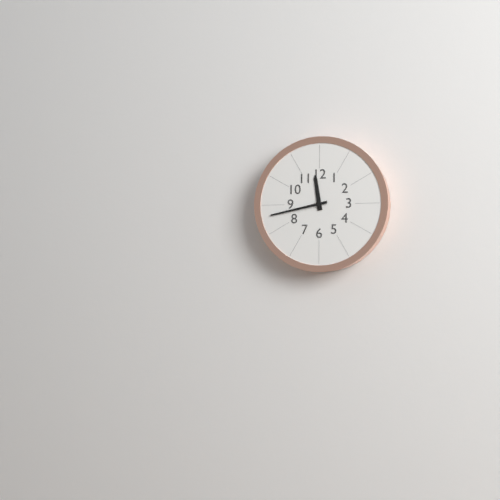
11:43
